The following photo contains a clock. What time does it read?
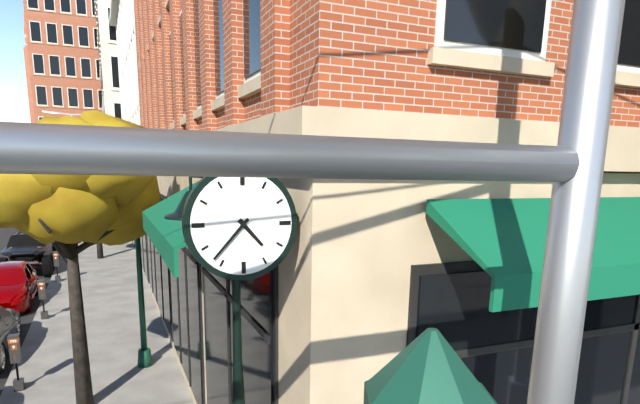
4:37
